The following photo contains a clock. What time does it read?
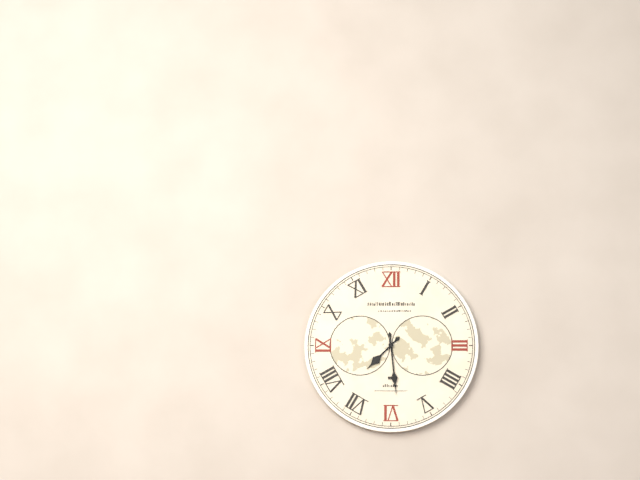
7:29
